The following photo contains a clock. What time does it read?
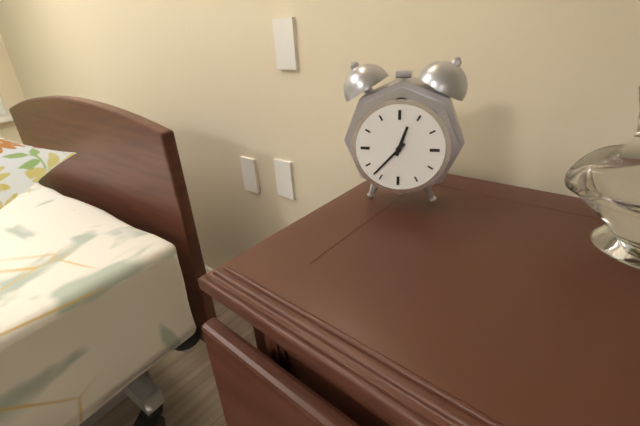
12:37
